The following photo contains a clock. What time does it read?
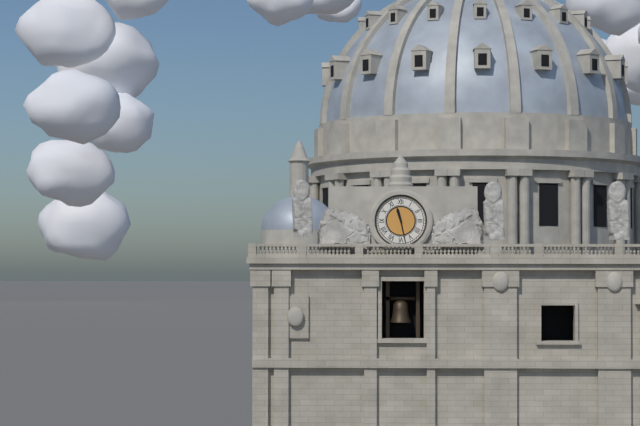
11:28
